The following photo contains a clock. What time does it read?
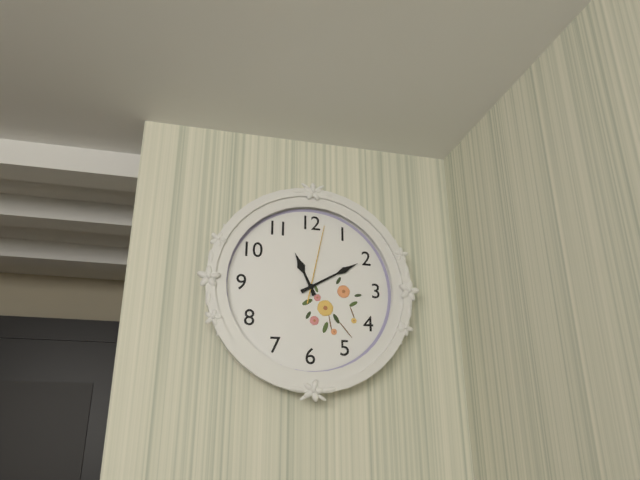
11:10:02
